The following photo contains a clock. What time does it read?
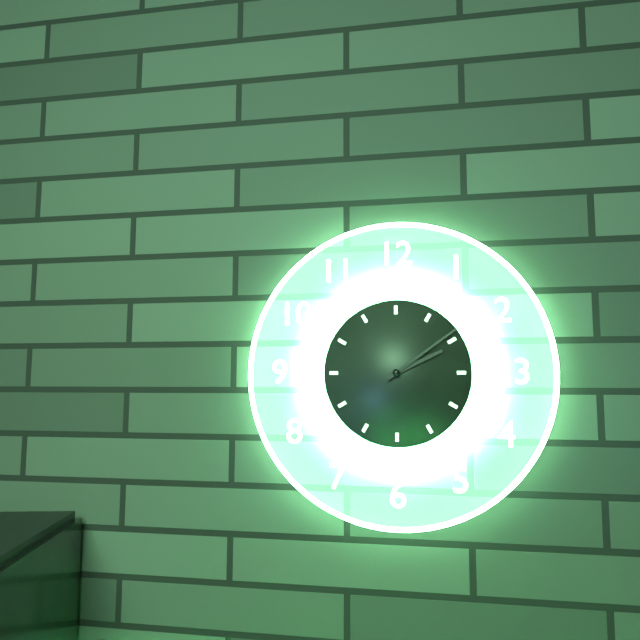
2:09
